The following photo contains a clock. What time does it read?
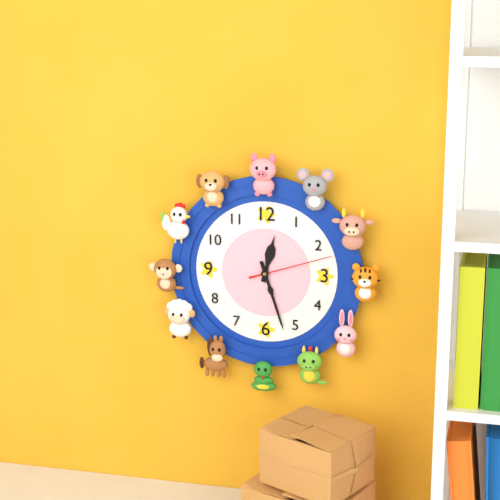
12:27:12
